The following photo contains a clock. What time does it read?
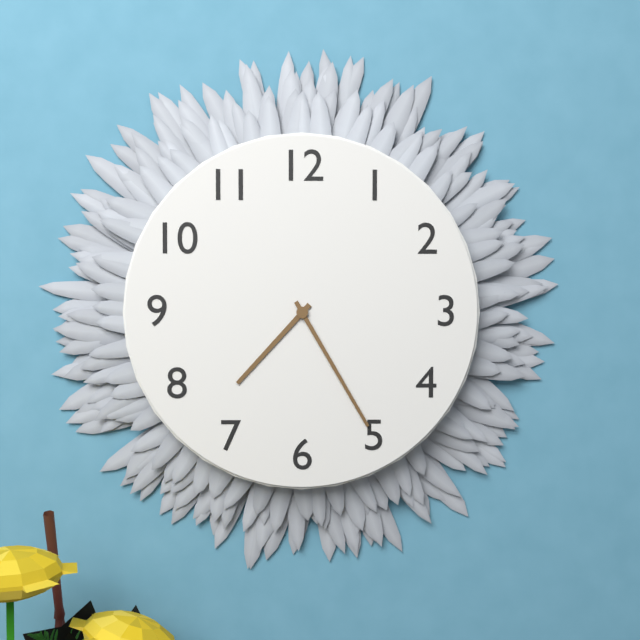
7:25
